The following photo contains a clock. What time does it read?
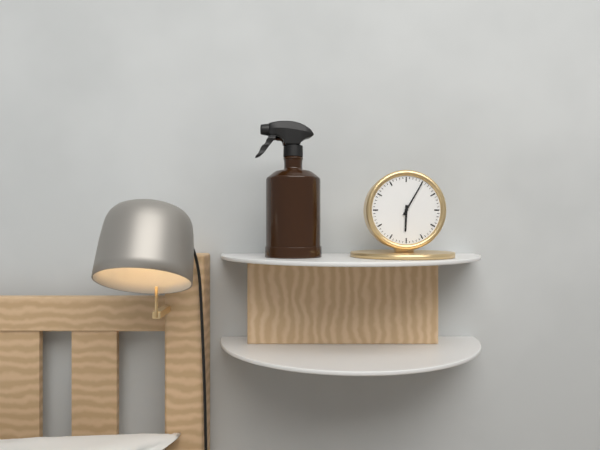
6:05
